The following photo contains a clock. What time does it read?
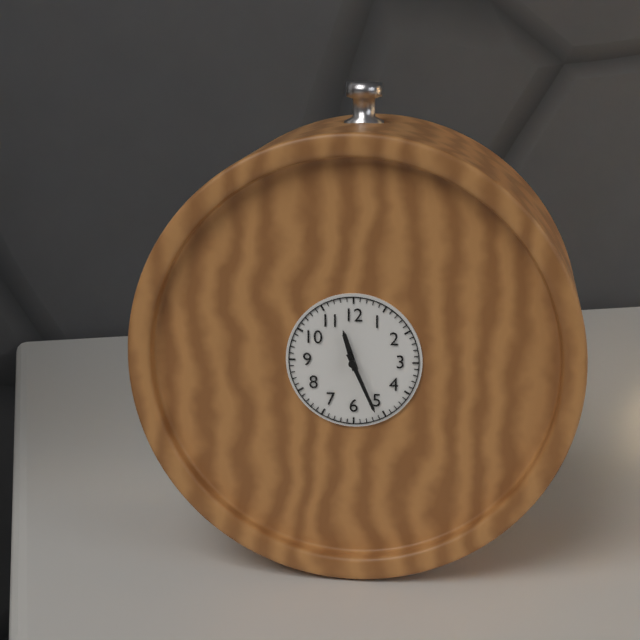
11:26
